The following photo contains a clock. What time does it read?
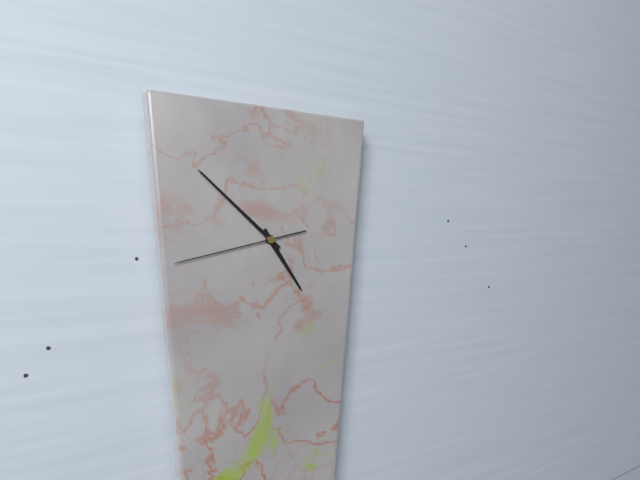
4:52:43
